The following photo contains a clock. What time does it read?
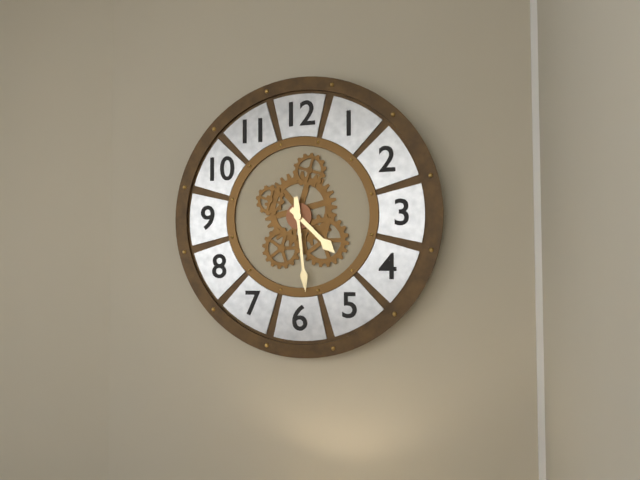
4:29
